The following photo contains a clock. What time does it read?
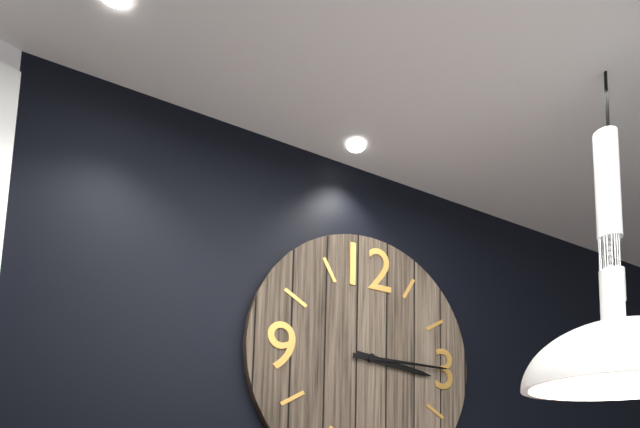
3:15
